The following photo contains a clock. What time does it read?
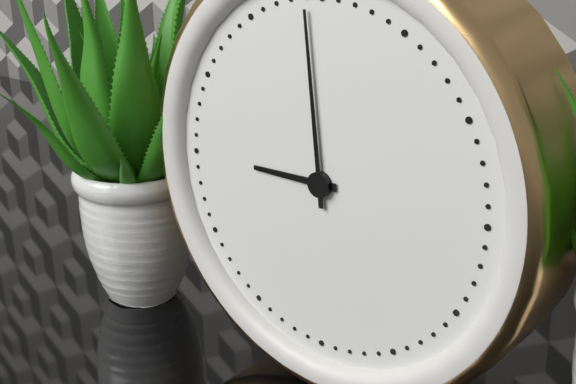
8:59
